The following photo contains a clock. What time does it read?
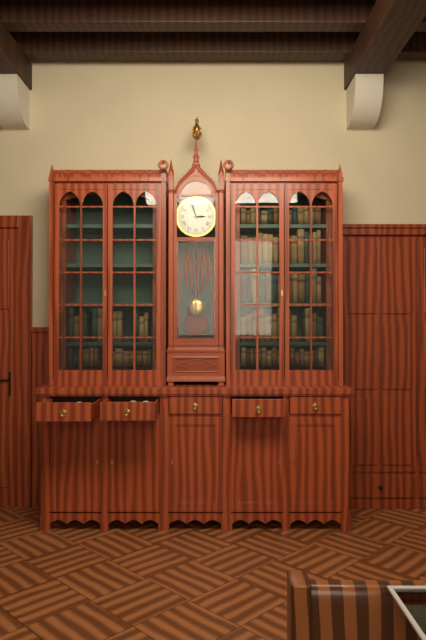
2:57
